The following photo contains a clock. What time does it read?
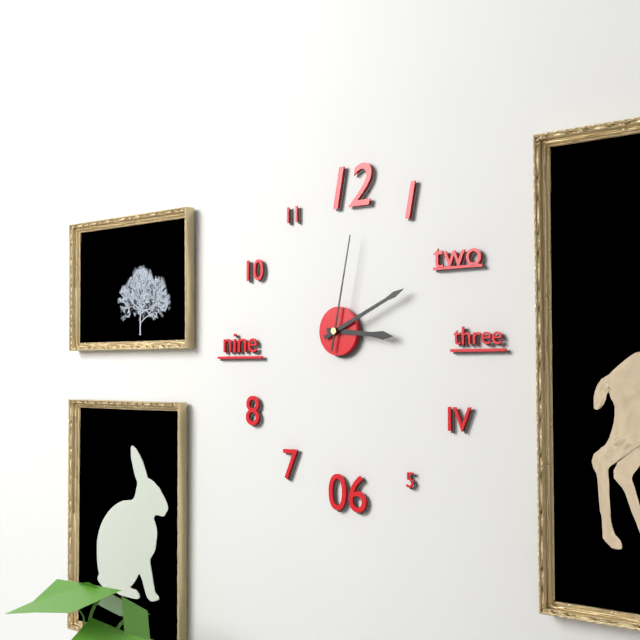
3:11:02
